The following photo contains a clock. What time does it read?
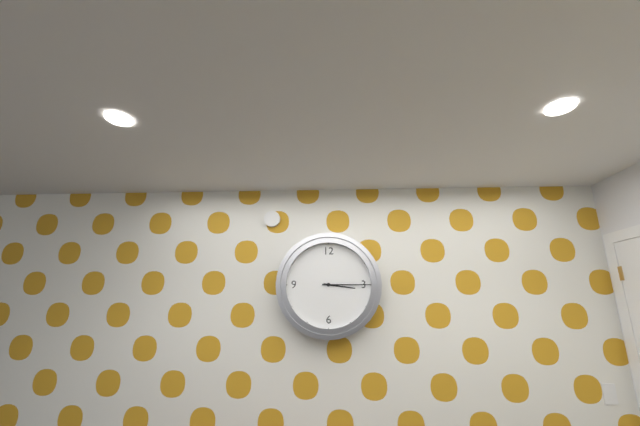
3:15
